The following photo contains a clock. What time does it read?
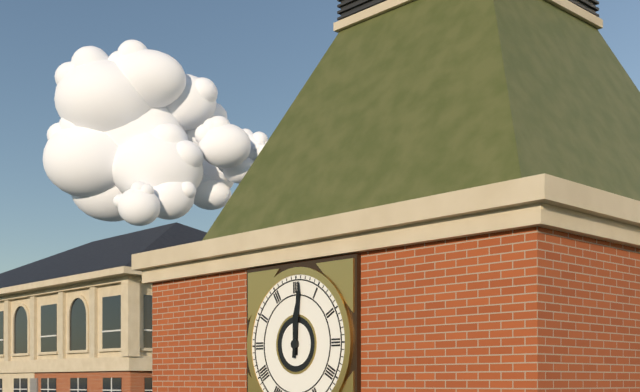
12:01
